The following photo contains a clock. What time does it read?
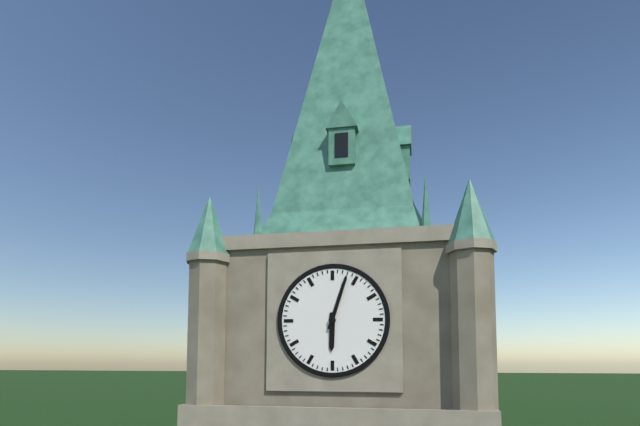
6:03
